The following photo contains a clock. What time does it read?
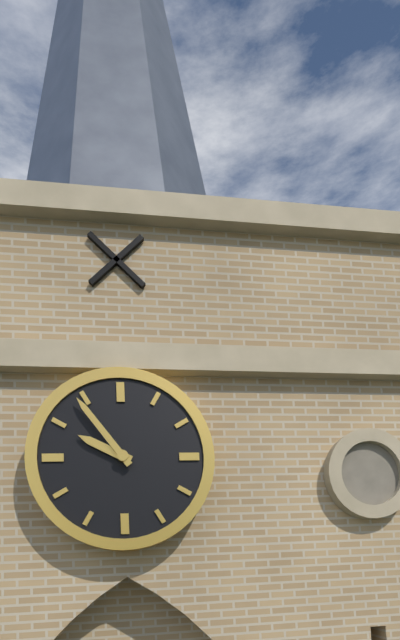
9:54
